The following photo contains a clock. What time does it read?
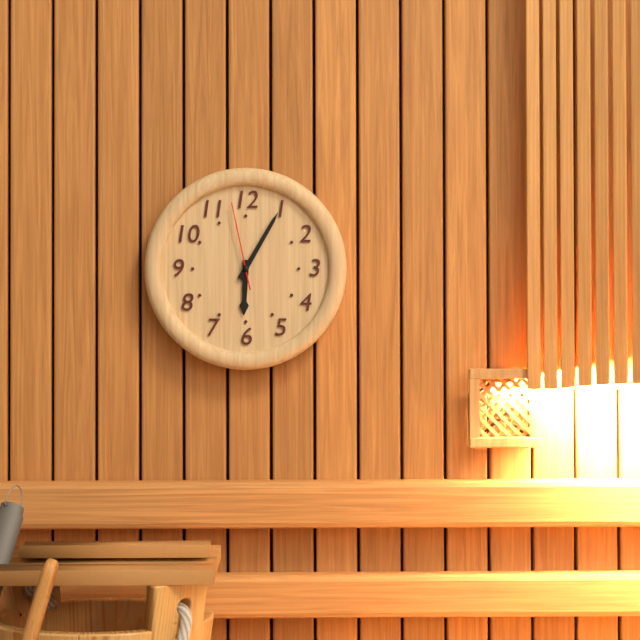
6:05:58
